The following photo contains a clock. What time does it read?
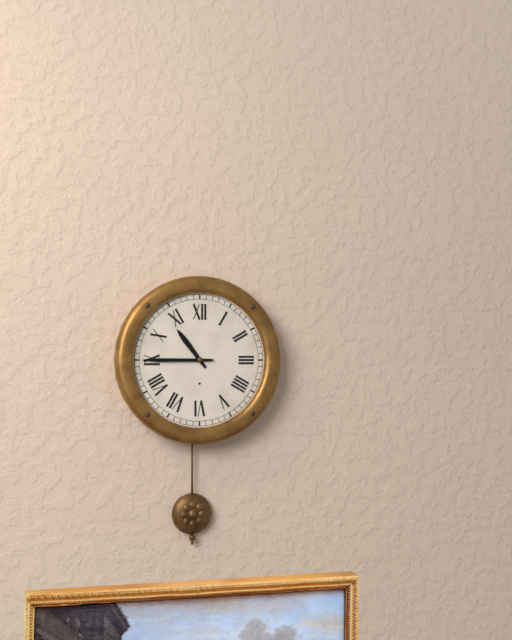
10:45
